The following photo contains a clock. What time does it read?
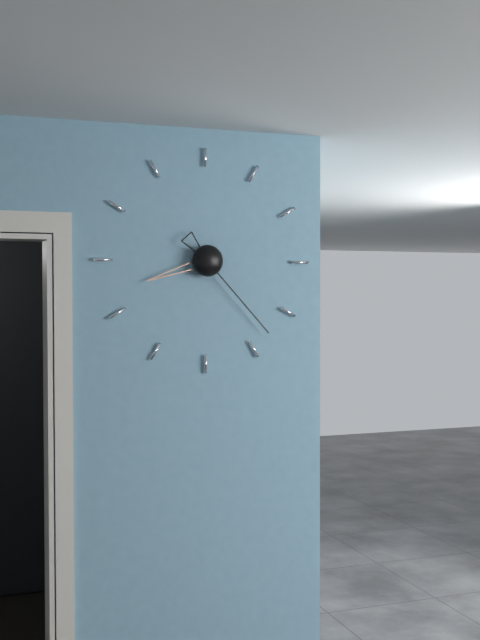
8:23
